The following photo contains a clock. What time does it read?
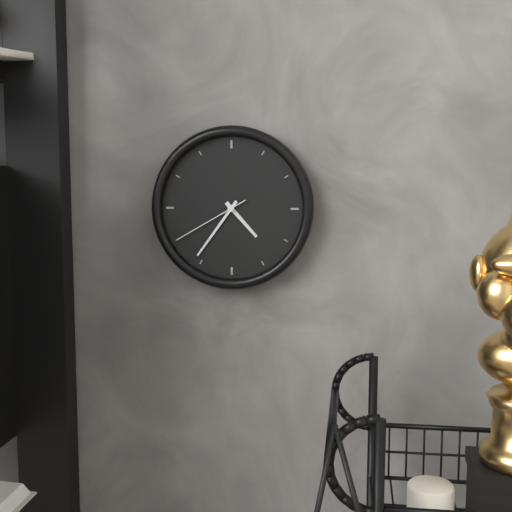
4:36:40
